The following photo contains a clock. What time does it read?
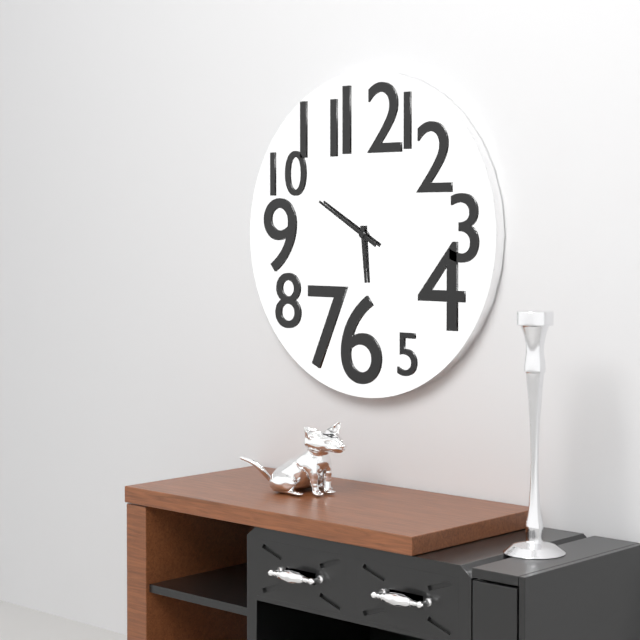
5:50
